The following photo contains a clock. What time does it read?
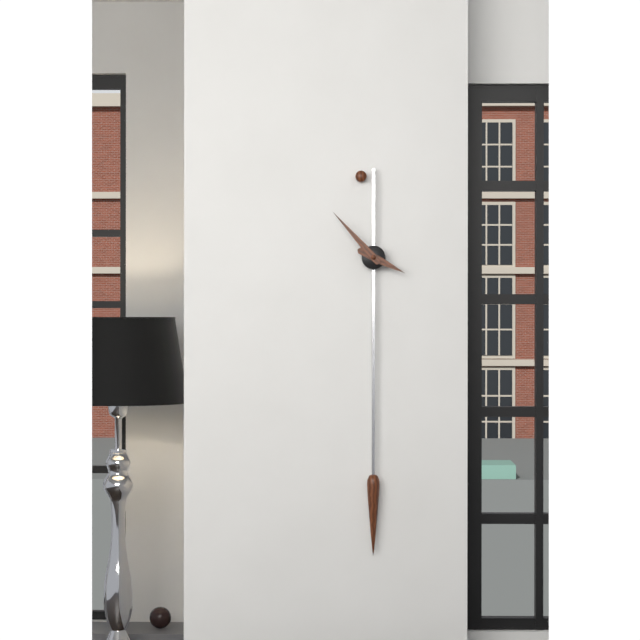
3:53
